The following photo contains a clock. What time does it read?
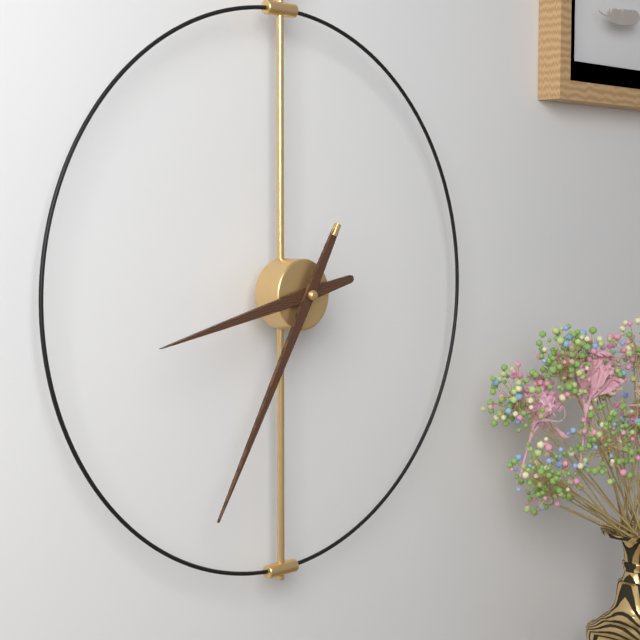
8:35
